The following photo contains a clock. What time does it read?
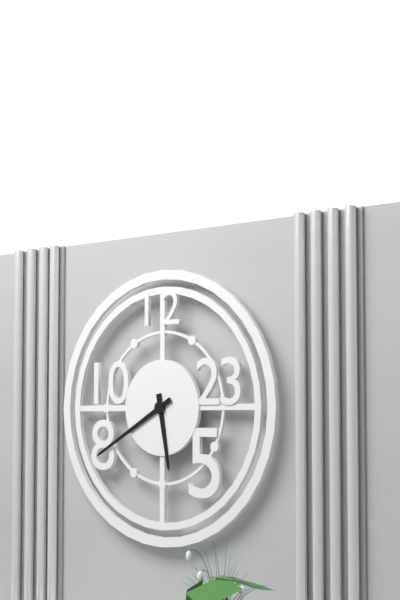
5:40
